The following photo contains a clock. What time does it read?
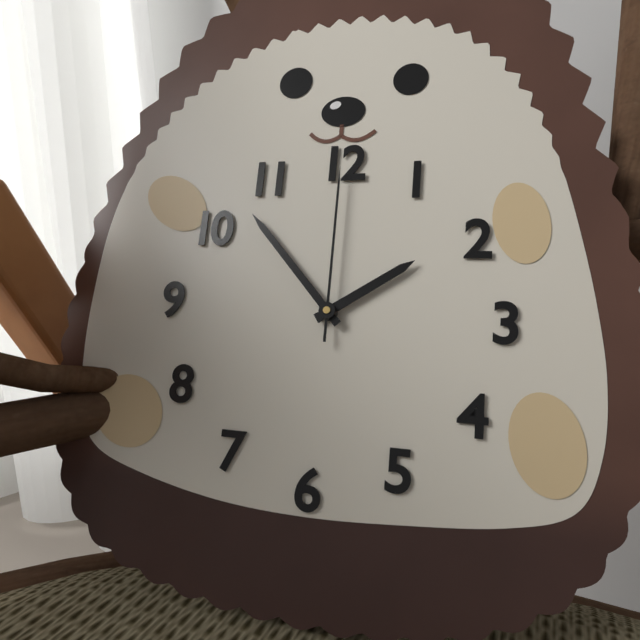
1:53:00
